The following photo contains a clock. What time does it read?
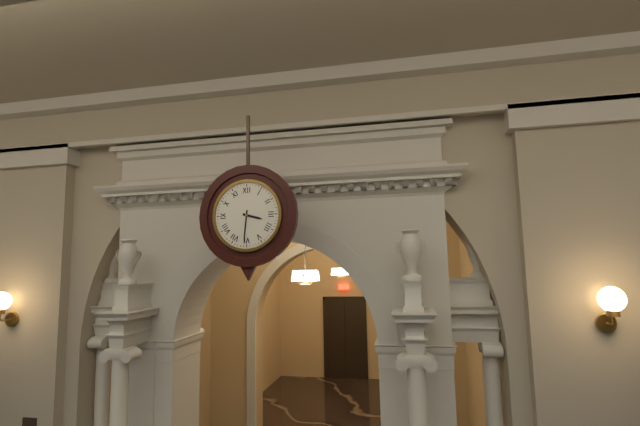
3:31
